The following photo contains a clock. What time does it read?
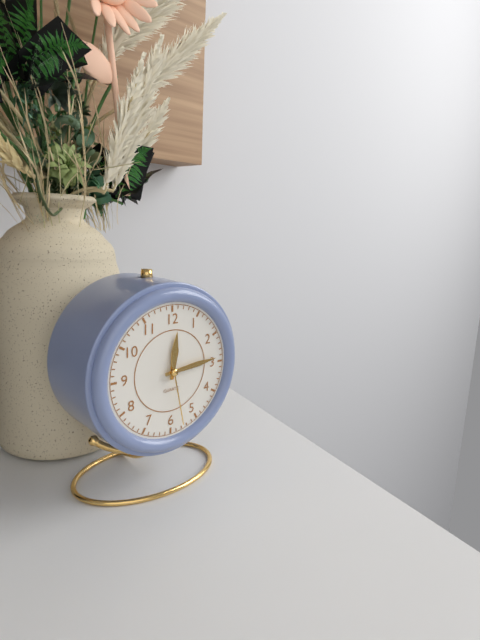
12:14:28
